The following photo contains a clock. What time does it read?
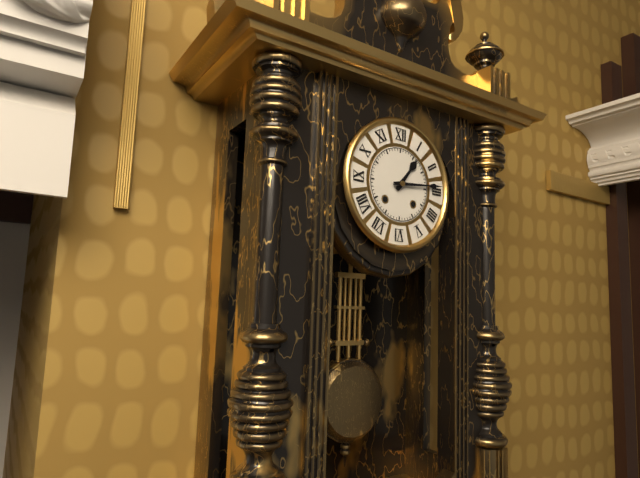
1:14
